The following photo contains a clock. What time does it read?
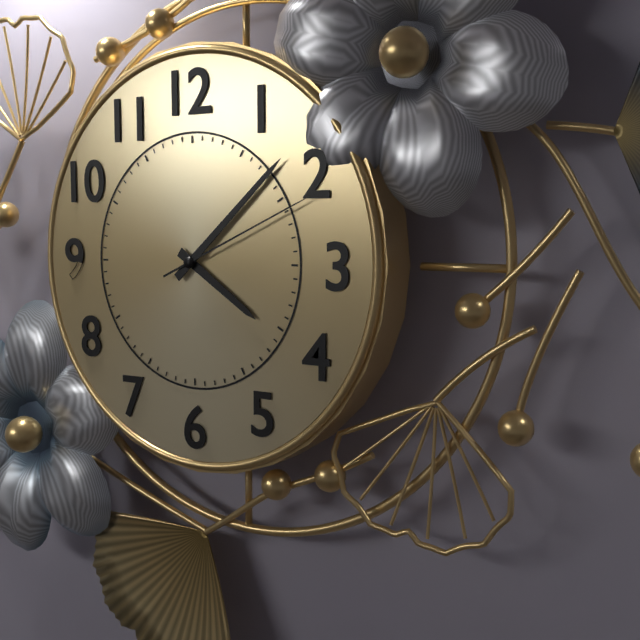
4:08:11
